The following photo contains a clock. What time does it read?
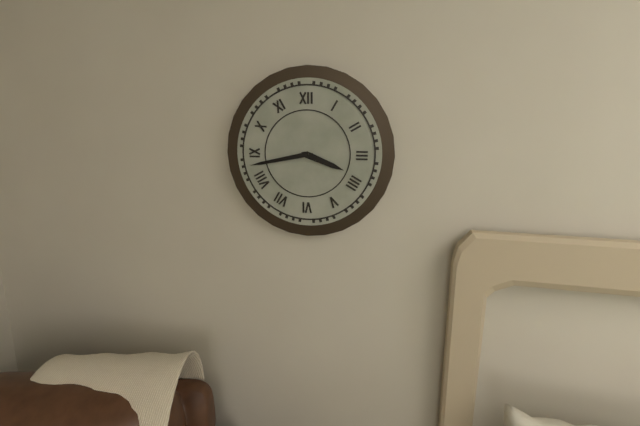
3:43
